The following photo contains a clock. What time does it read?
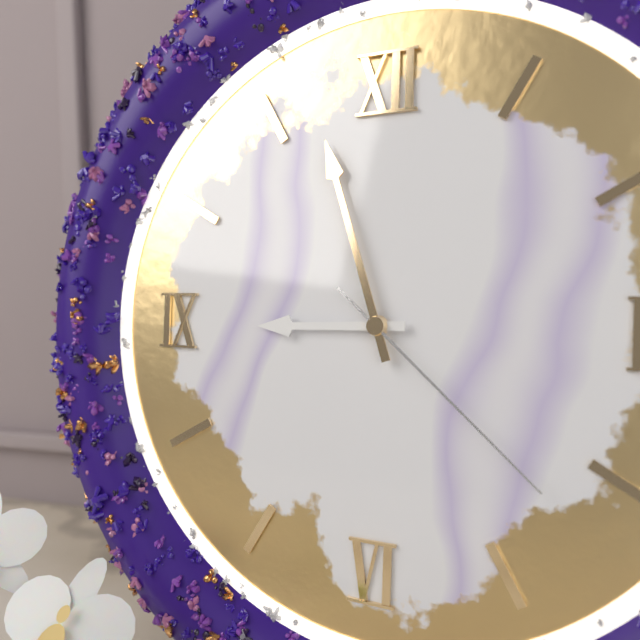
8:57:22
